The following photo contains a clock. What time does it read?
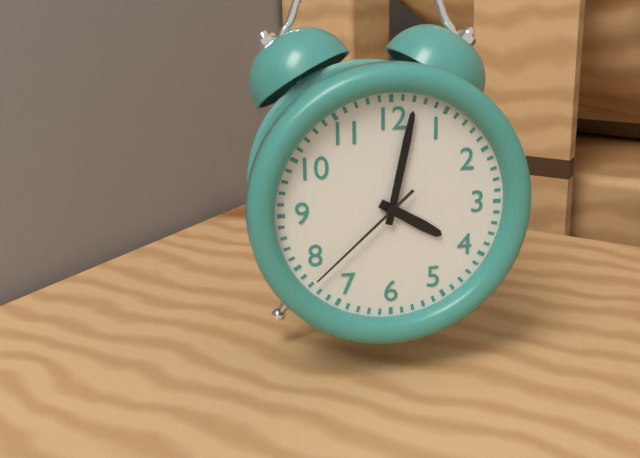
4:02:38
